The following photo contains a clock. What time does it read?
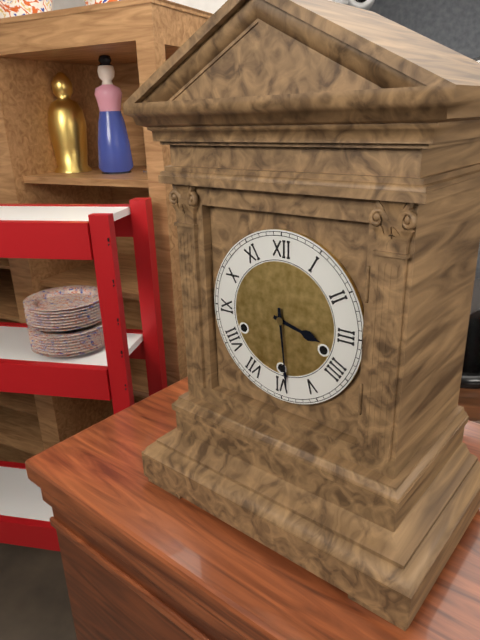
3:29
